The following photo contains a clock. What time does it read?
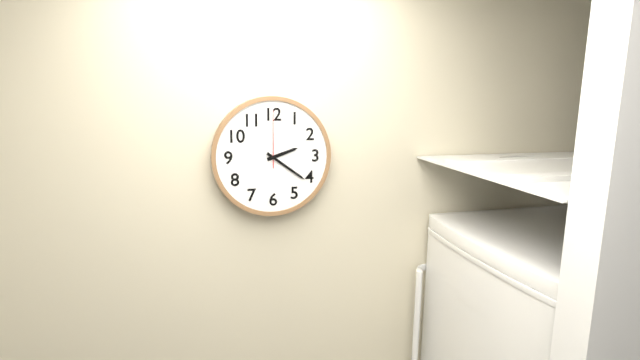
2:21:00
